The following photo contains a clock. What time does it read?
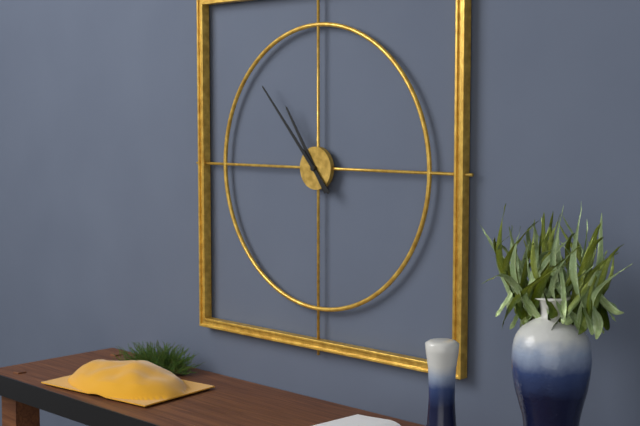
10:53
